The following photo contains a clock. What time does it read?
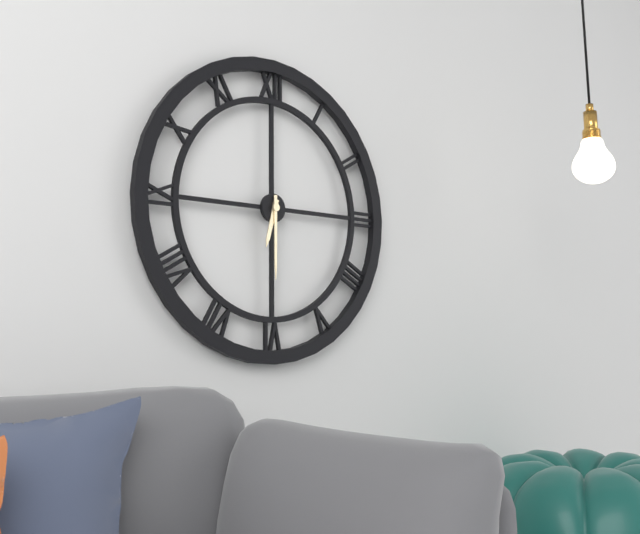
6:30
